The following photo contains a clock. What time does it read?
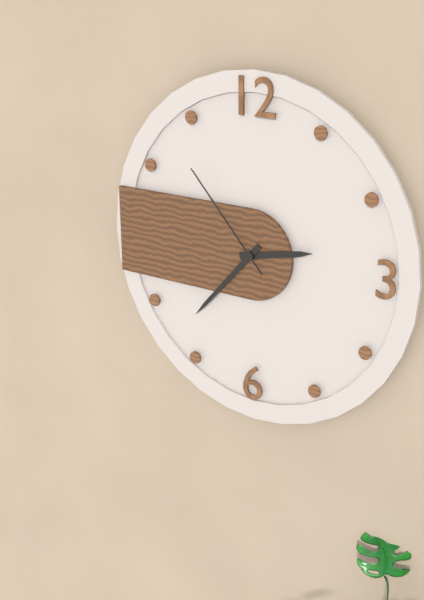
2:37:53
